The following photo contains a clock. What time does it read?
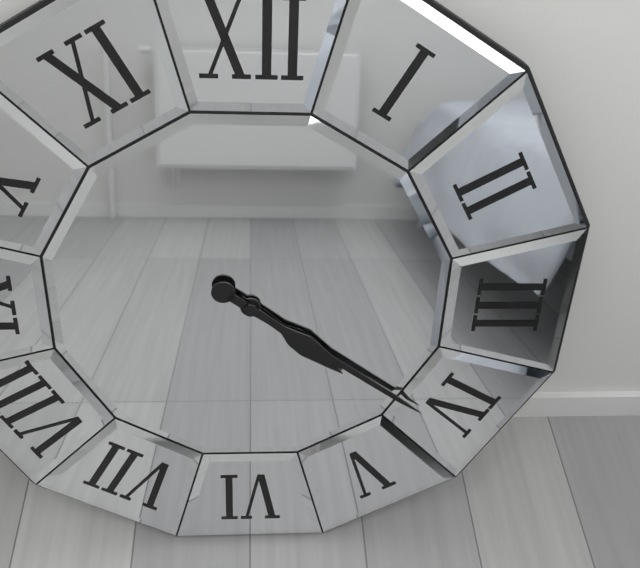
4:21
